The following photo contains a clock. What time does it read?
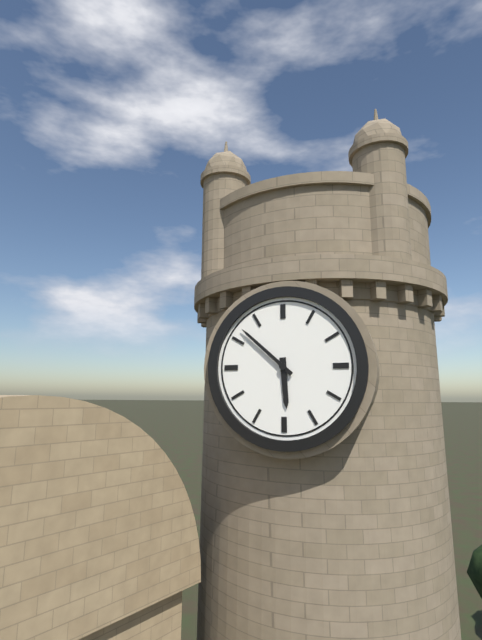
5:52
